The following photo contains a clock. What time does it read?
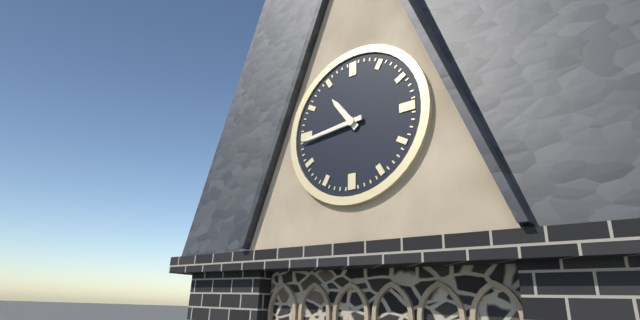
10:44
